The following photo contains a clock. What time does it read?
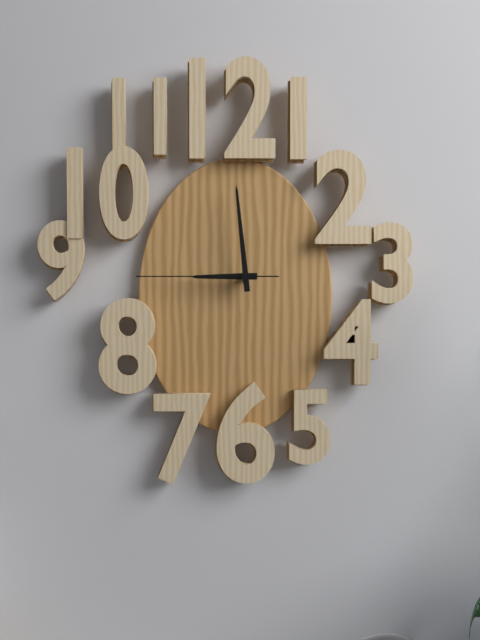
8:59:45
